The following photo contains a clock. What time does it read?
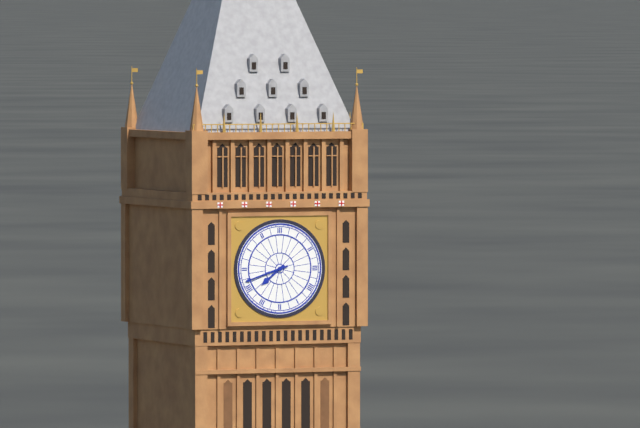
7:42
